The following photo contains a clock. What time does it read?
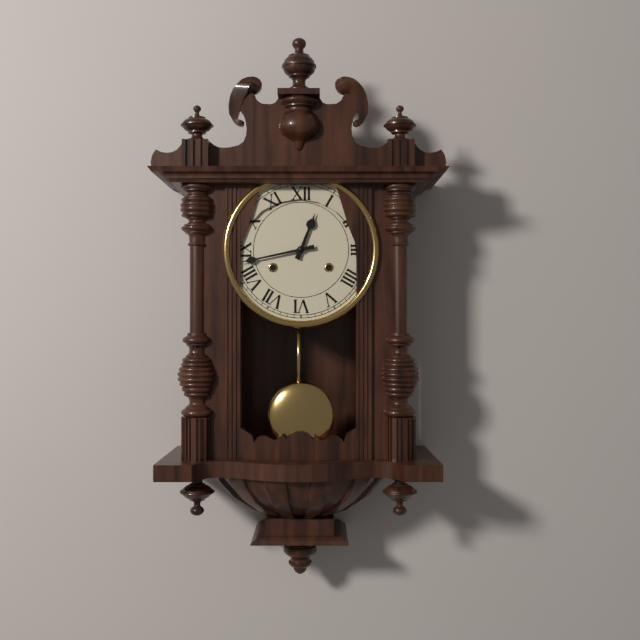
12:43
